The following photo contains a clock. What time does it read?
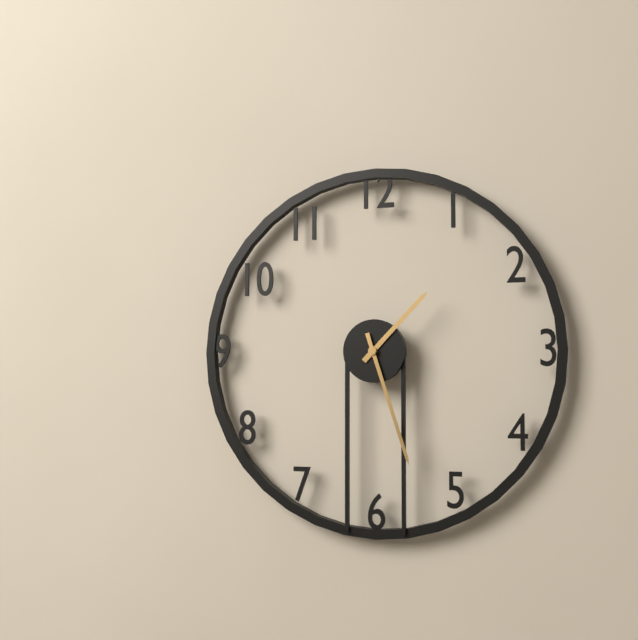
1:27
